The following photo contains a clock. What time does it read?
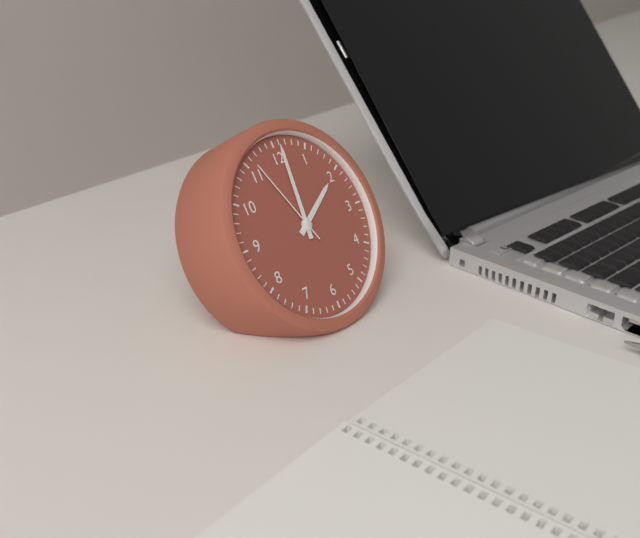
2:01:56
